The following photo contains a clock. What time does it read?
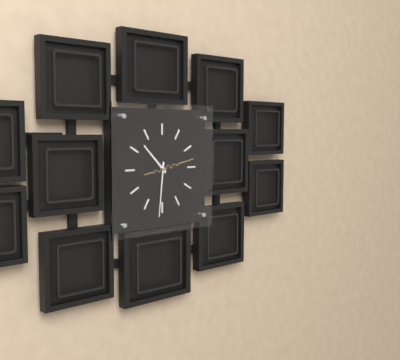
10:31
